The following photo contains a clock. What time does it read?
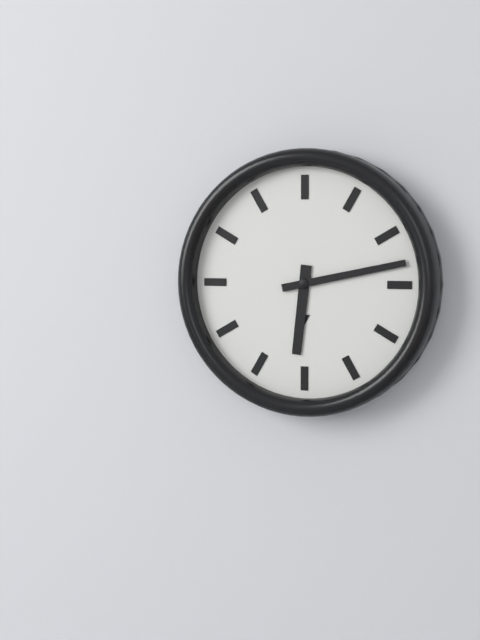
6:13
